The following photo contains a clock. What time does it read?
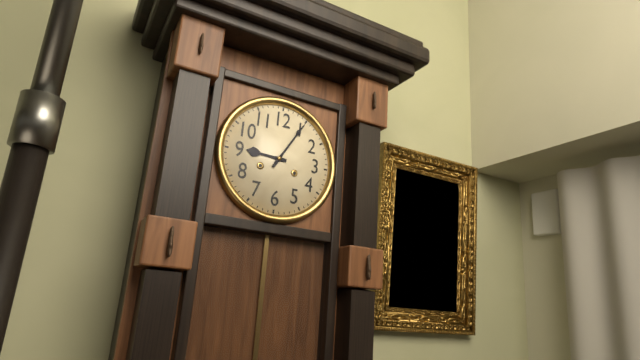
9:05
